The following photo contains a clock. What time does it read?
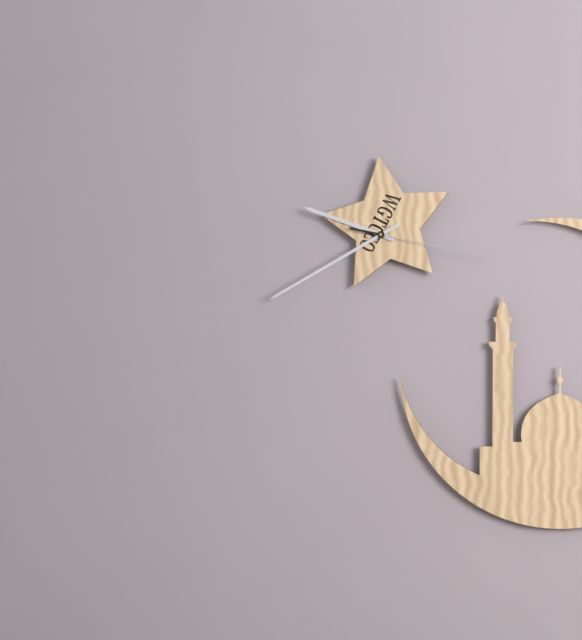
9:40:17
